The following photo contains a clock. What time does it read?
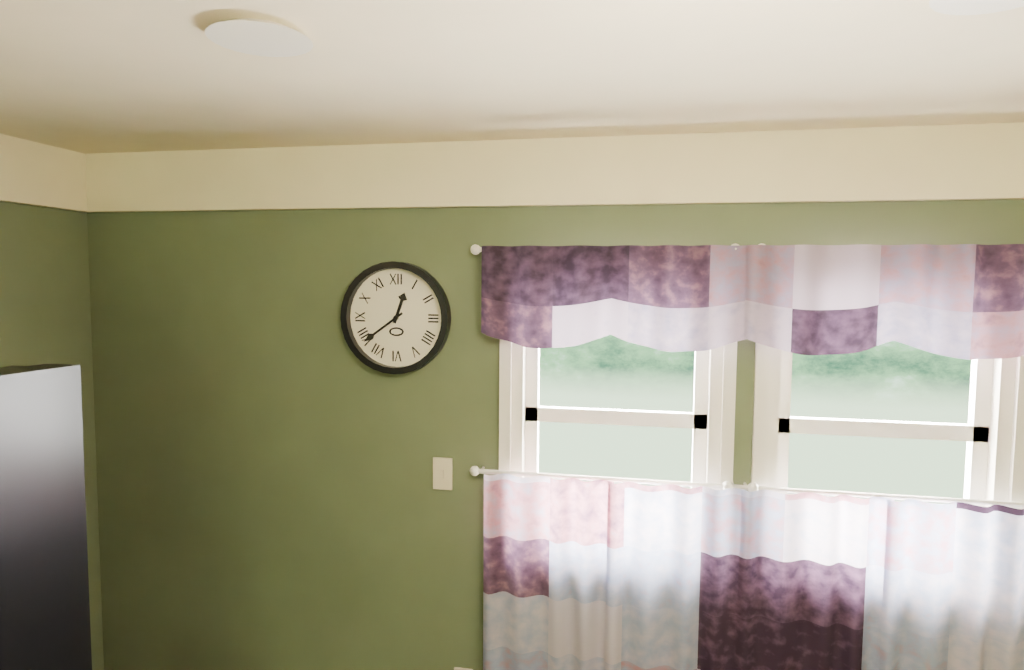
12:39
